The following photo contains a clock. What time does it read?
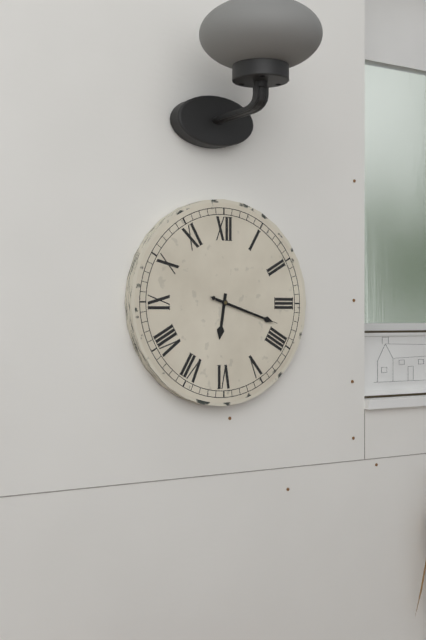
6:18:18
